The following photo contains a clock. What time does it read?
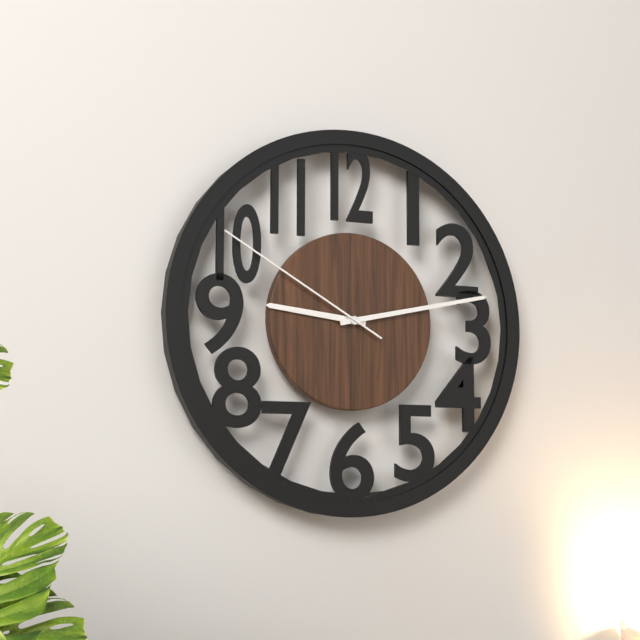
9:13:50
